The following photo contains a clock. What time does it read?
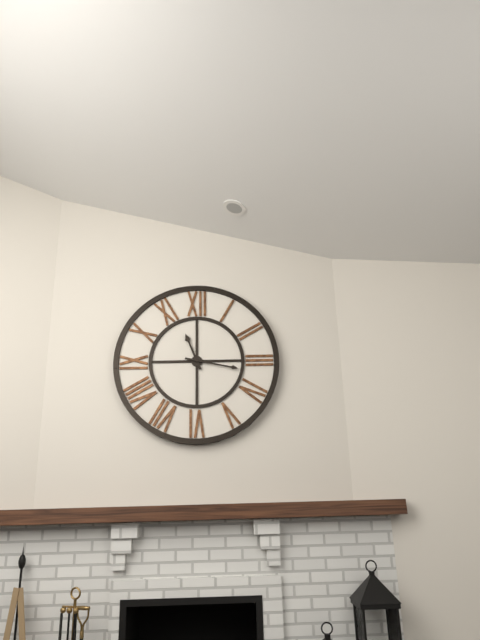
11:17
